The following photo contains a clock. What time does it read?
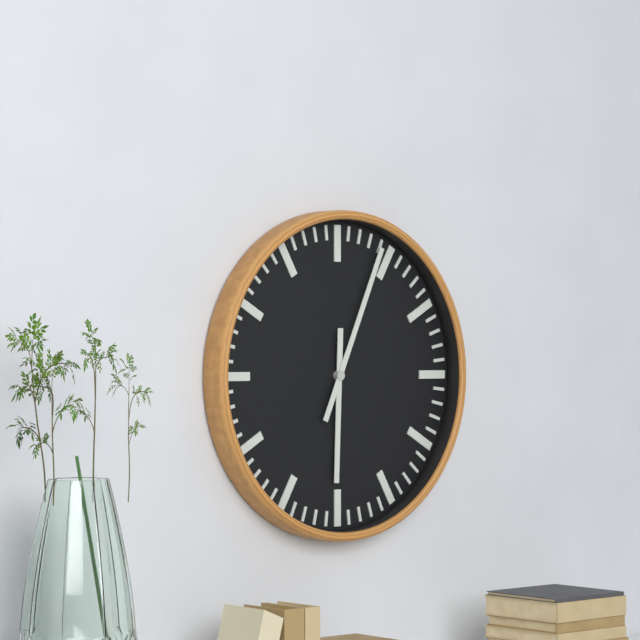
6:04
